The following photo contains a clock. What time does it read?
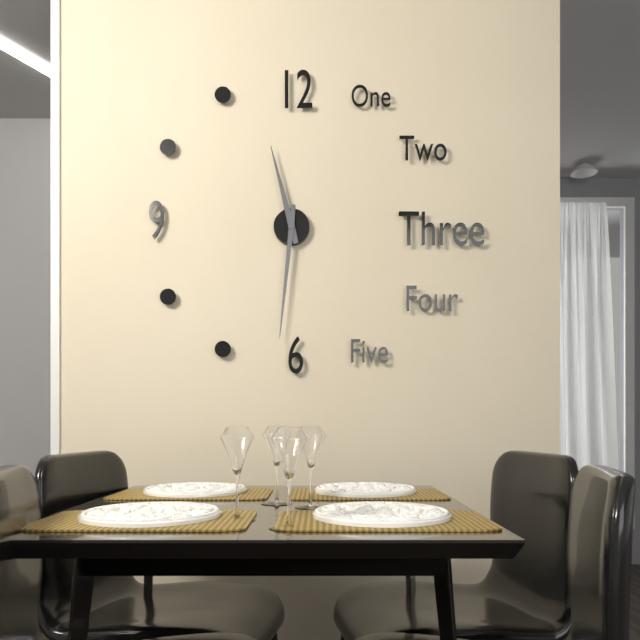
11:31
